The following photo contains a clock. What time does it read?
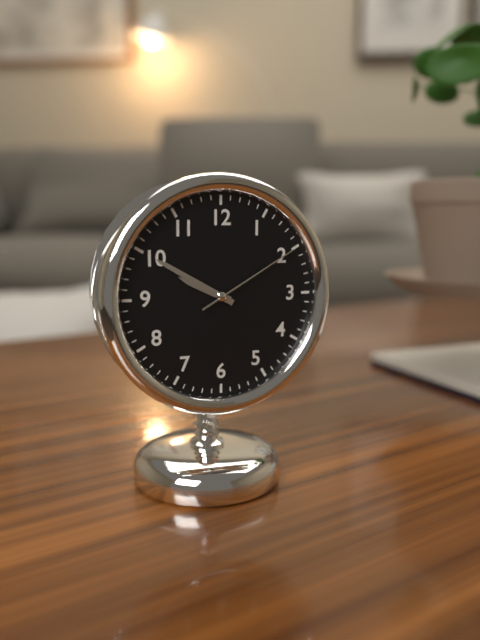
9:50:10
